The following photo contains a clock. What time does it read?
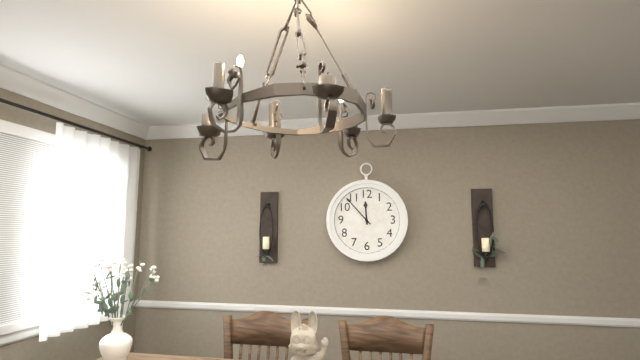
11:53
